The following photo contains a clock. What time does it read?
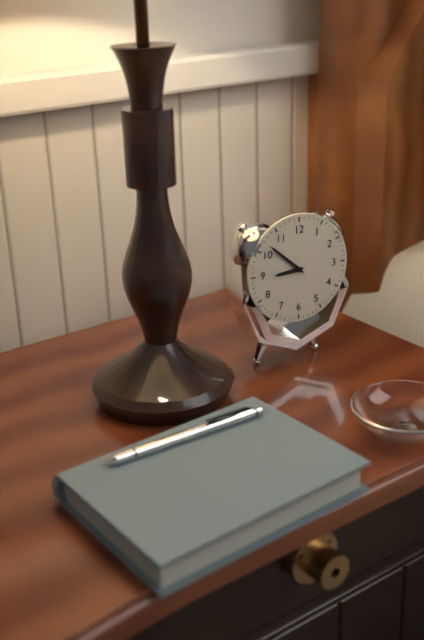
8:52
